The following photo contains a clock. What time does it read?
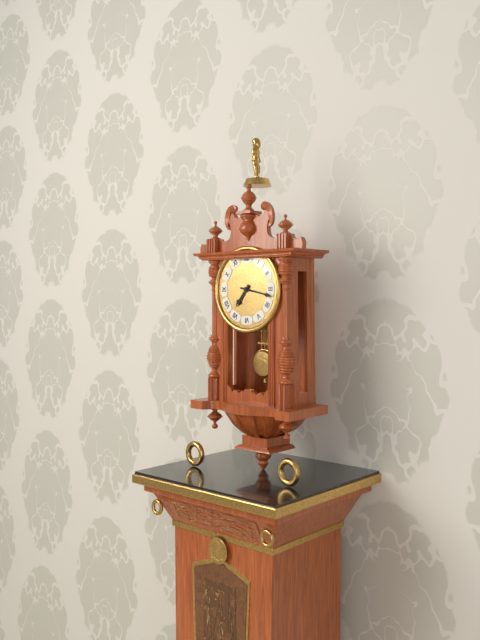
7:17
